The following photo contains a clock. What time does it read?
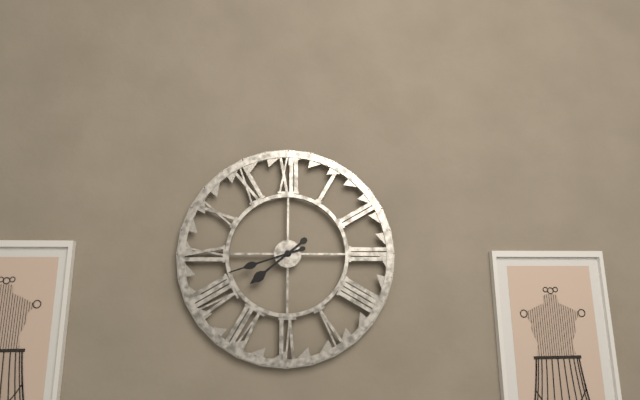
7:42
